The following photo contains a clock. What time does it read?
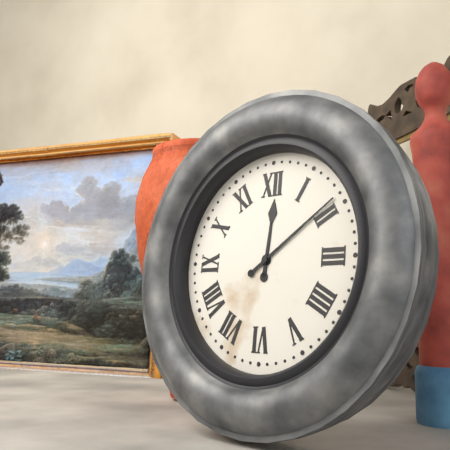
12:09
